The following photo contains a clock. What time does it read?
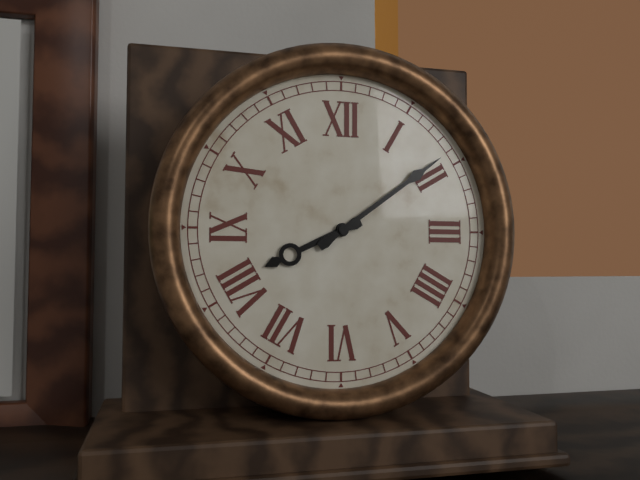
8:09
